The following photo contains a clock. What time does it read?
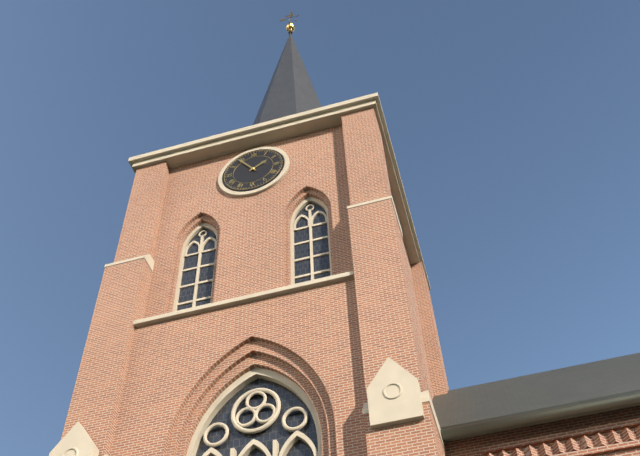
1:54
